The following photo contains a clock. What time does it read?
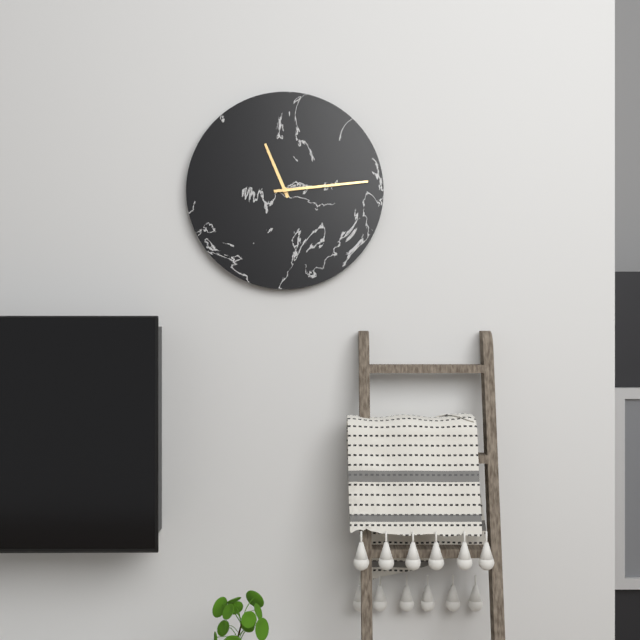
11:14
